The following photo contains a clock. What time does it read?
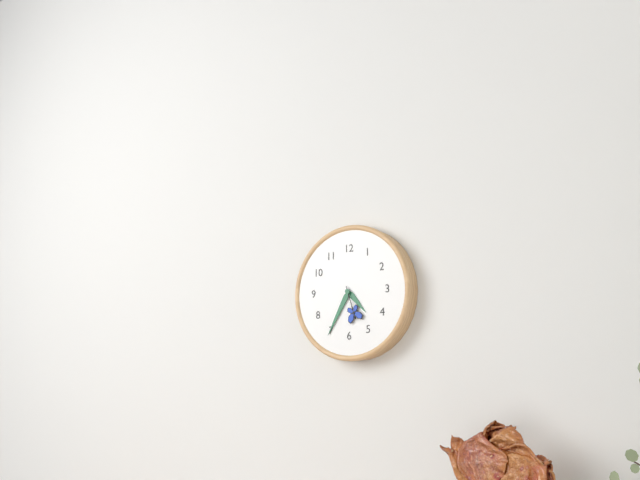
4:35
